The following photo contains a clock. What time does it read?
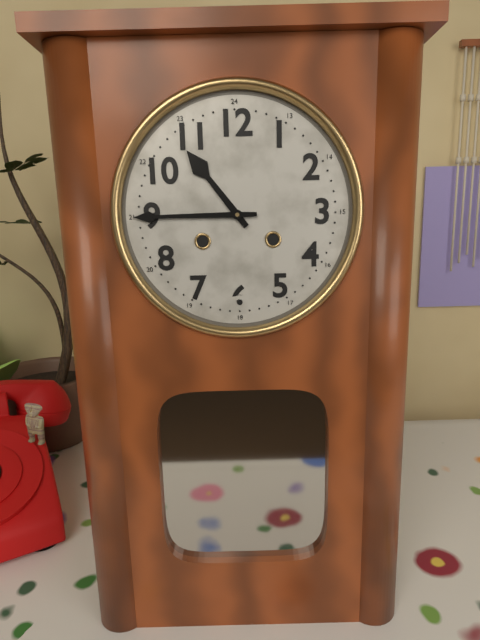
10:45
